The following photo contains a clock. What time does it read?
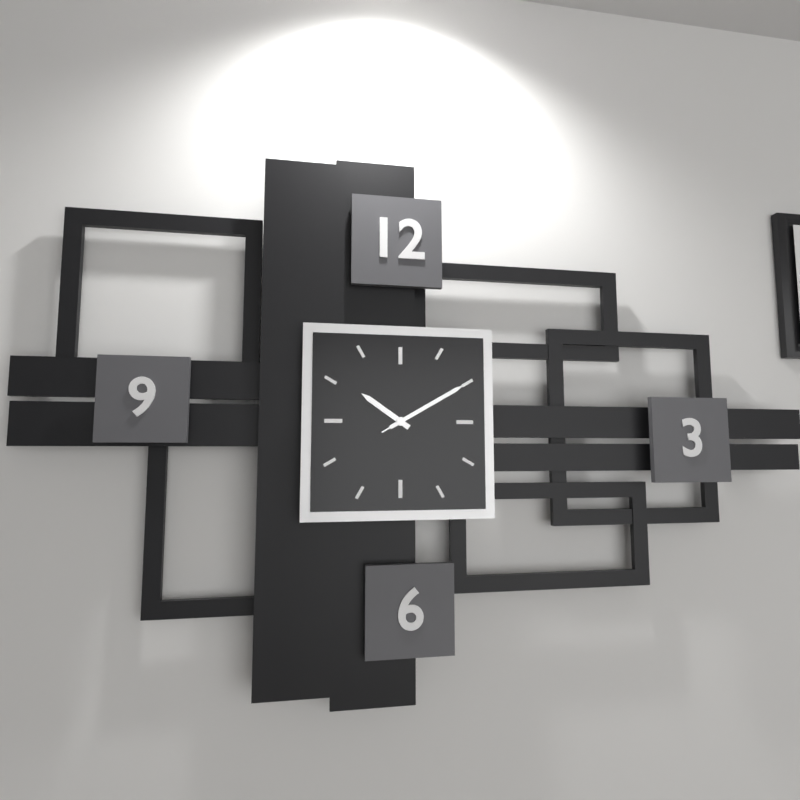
10:10:10
